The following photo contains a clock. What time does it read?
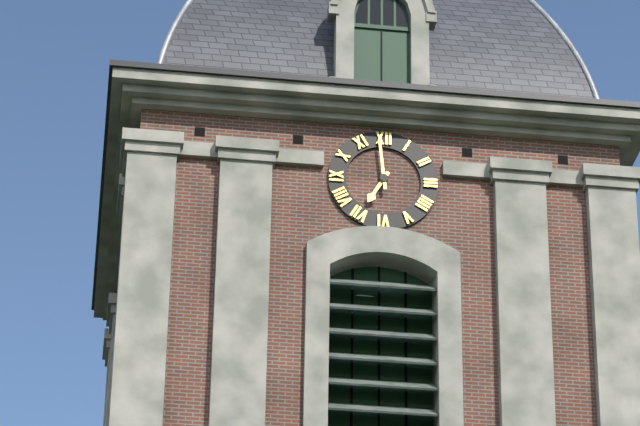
6:59
